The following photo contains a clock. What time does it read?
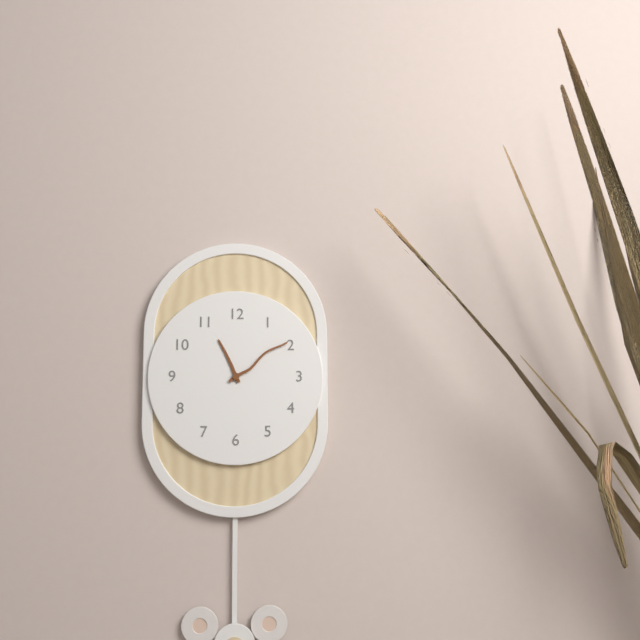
11:09
